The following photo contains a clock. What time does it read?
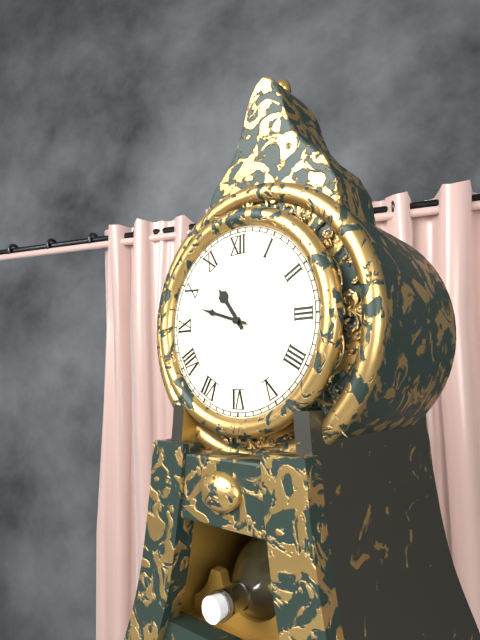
10:48
